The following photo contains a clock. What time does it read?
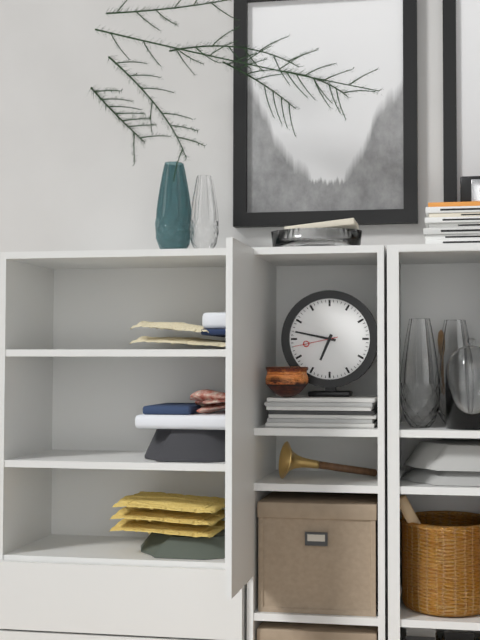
6:47
